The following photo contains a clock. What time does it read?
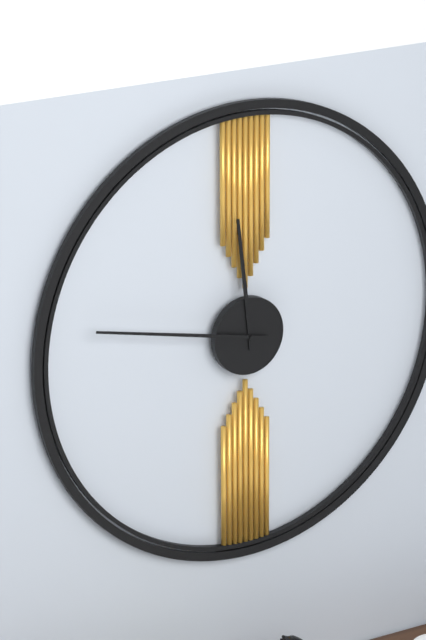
11:47
